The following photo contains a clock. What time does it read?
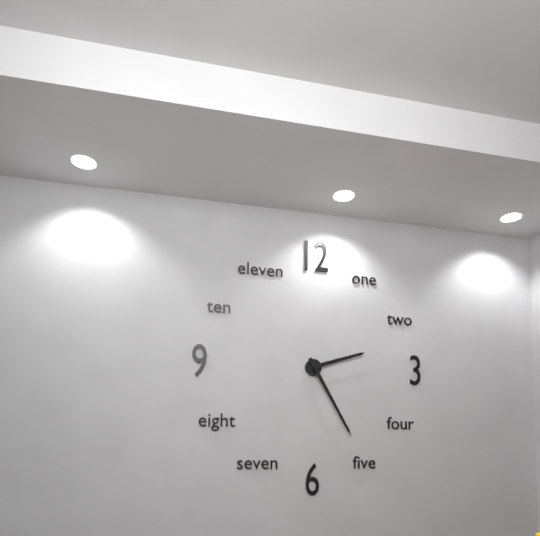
2:25
